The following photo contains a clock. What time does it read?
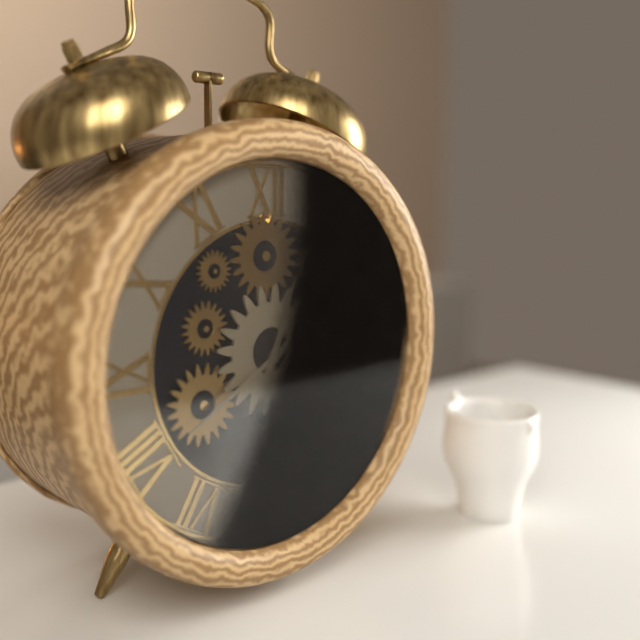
12:40
